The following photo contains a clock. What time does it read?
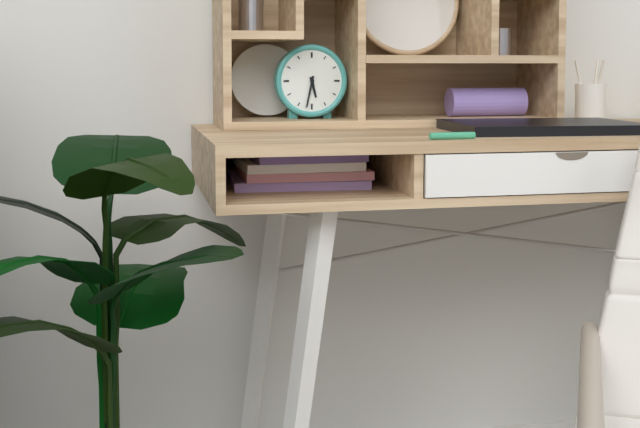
5:32
